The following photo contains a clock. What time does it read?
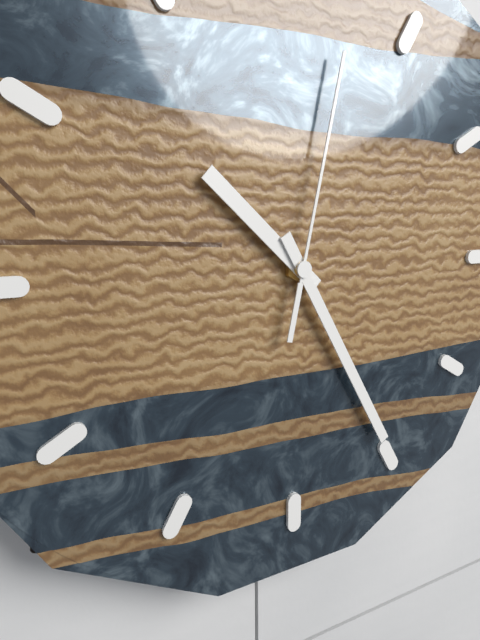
10:25:02
